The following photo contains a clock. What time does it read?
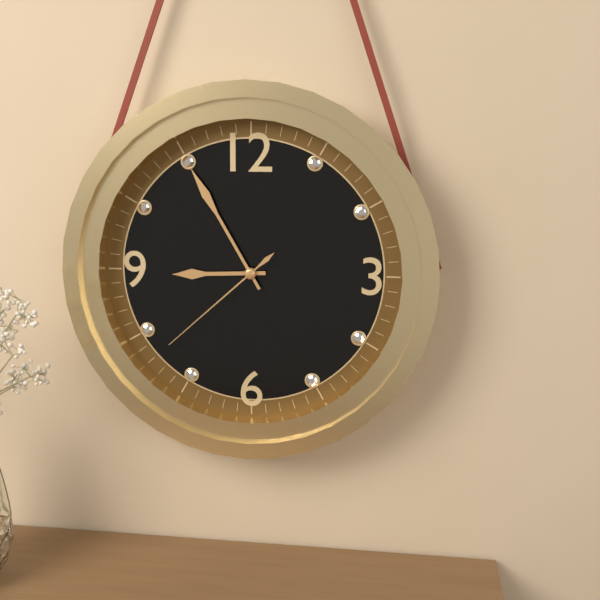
8:55:38
